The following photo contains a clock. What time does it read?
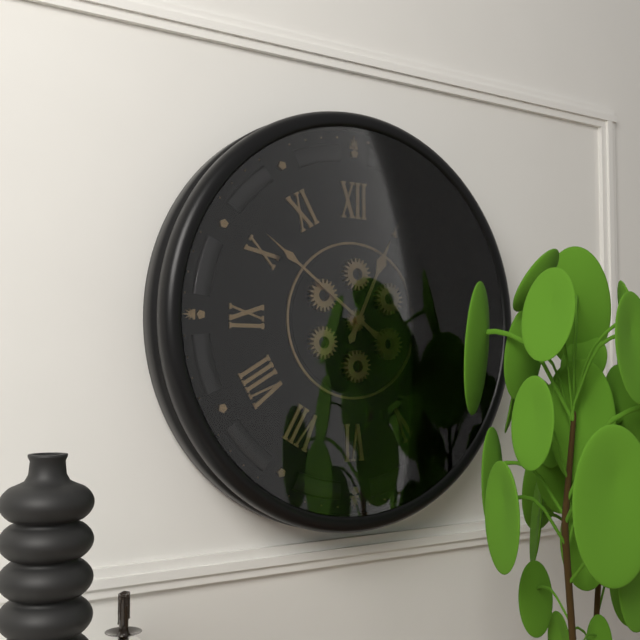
12:51
